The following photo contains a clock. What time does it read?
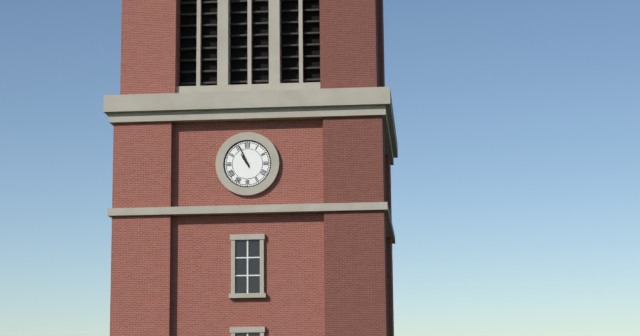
10:56
